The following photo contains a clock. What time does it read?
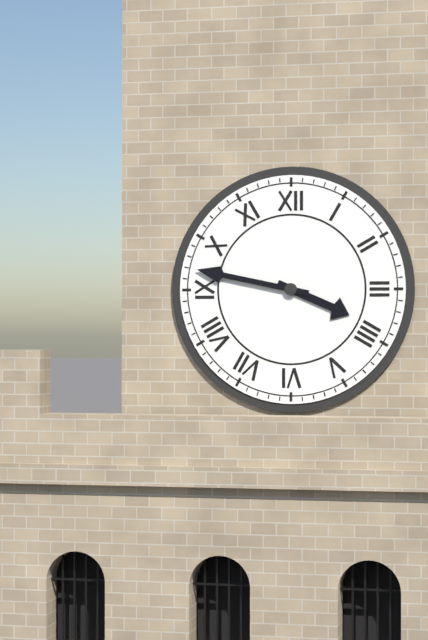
3:47
